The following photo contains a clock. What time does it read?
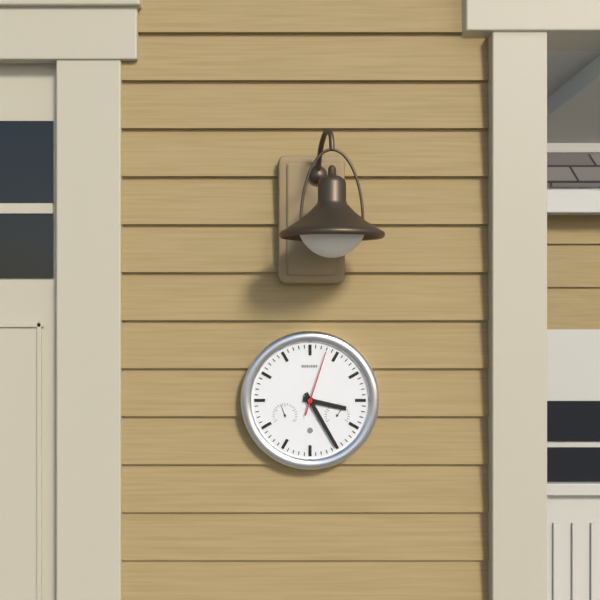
3:25:03
